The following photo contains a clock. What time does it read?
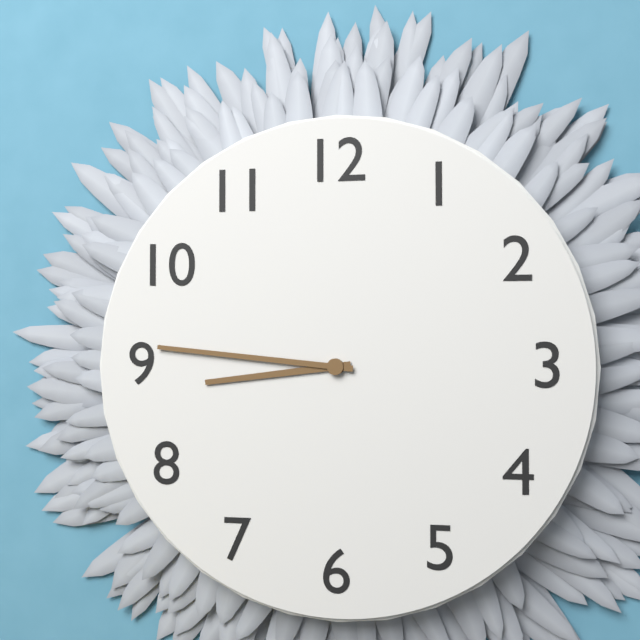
8:46
